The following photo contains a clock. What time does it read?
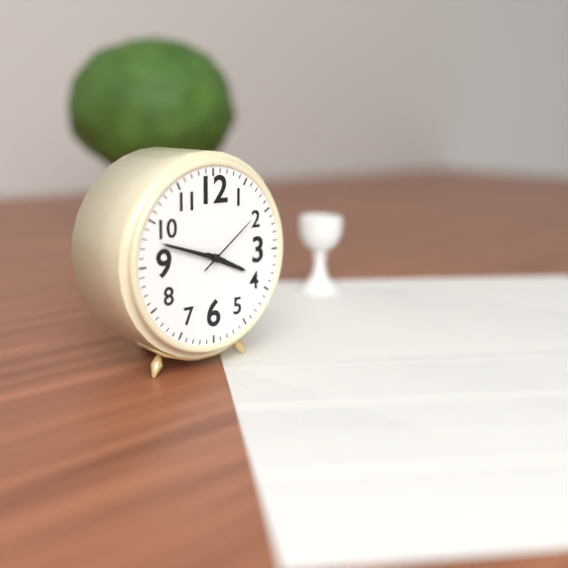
3:48:09
